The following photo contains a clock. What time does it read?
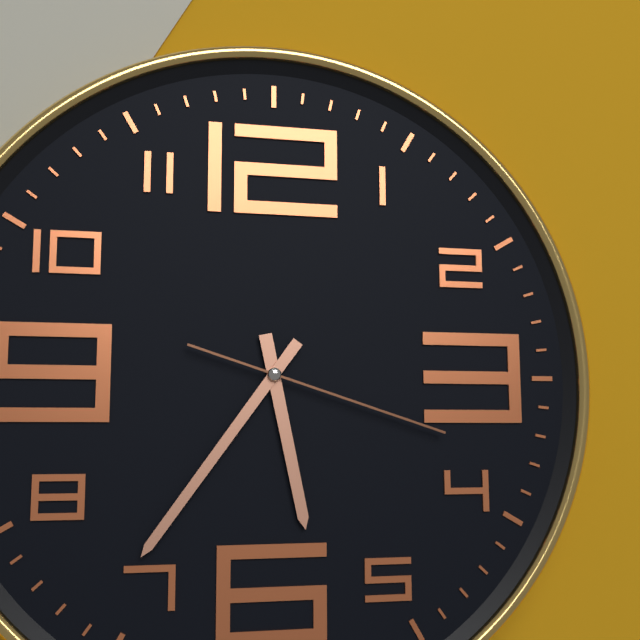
5:36:18
